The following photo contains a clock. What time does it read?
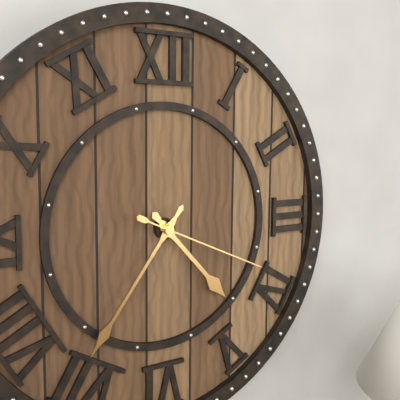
4:36:19
